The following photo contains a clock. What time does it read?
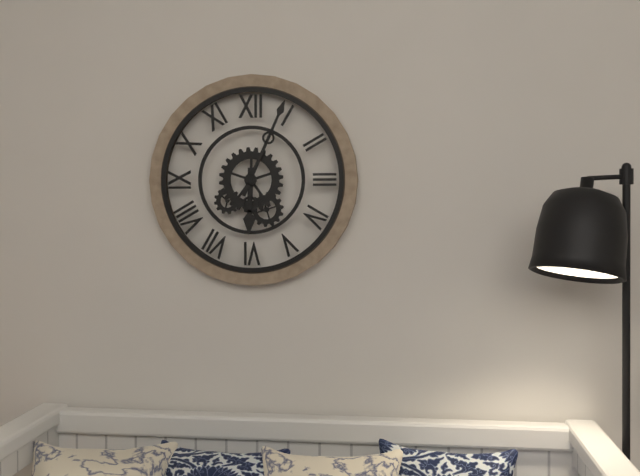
6:04
